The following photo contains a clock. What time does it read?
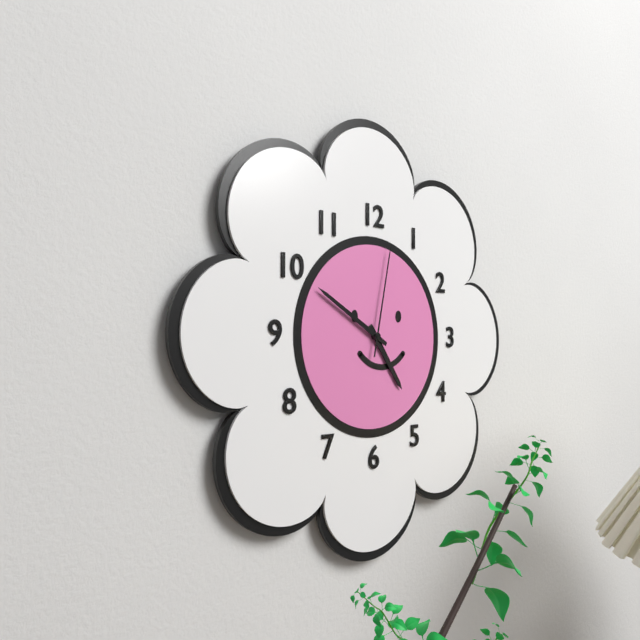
4:50:02
